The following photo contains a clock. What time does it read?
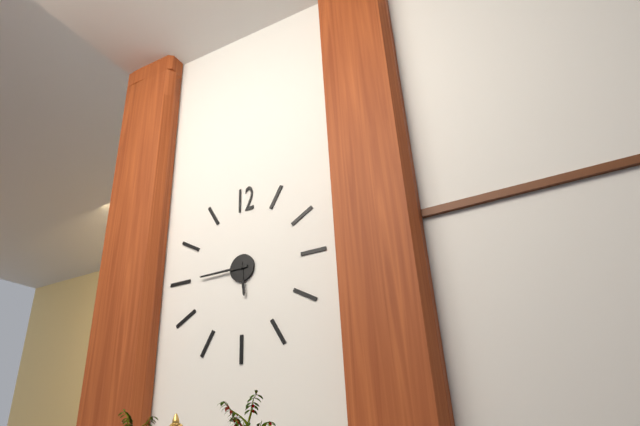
5:45
